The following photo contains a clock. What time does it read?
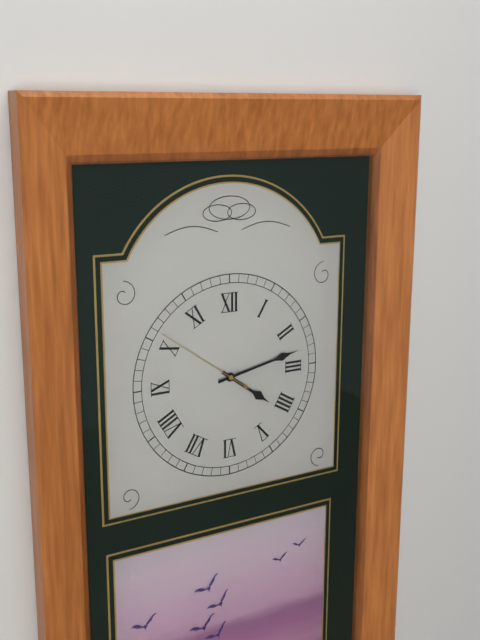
4:13:51
